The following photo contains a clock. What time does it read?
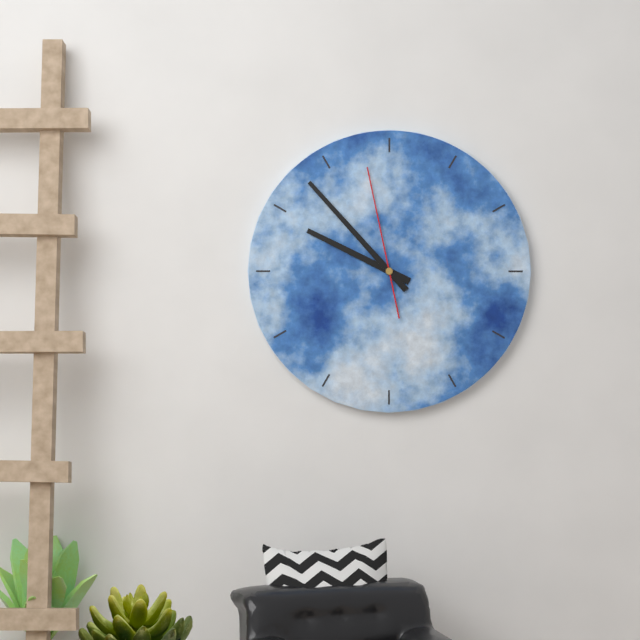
9:53:58
